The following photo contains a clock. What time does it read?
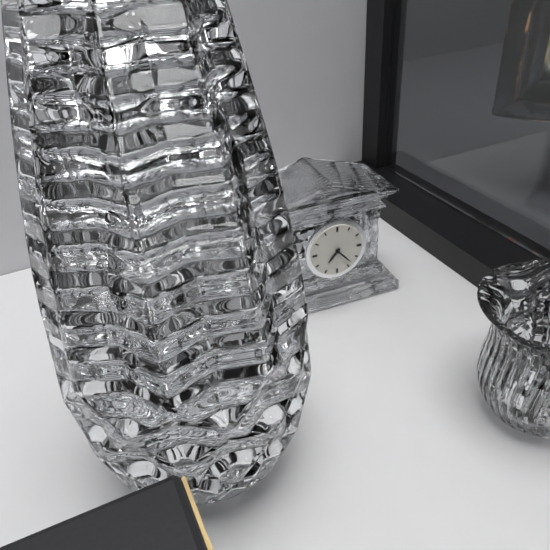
7:23
